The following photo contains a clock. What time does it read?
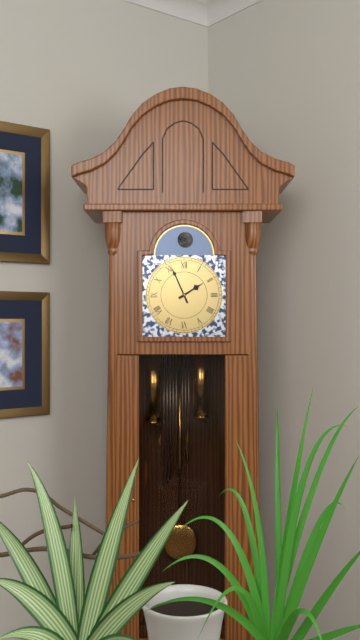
1:56
